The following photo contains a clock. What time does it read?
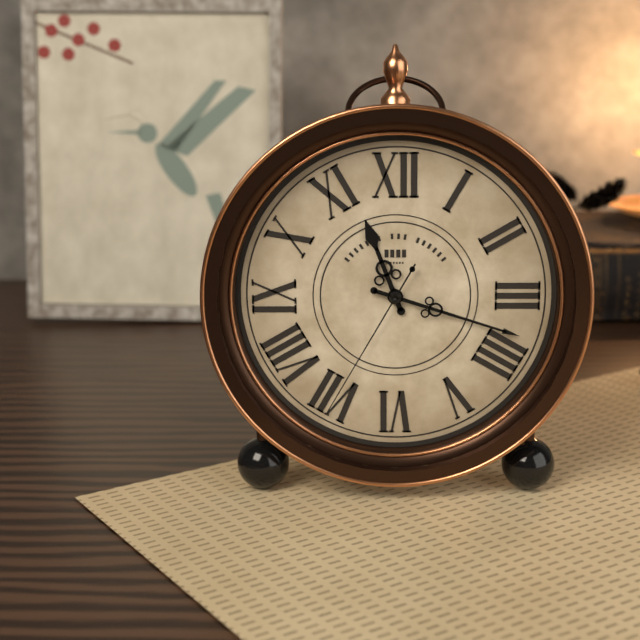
11:18:35
